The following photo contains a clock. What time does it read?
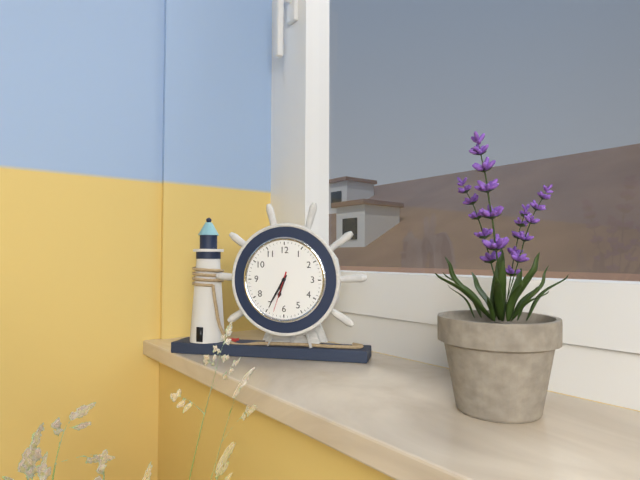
6:35
